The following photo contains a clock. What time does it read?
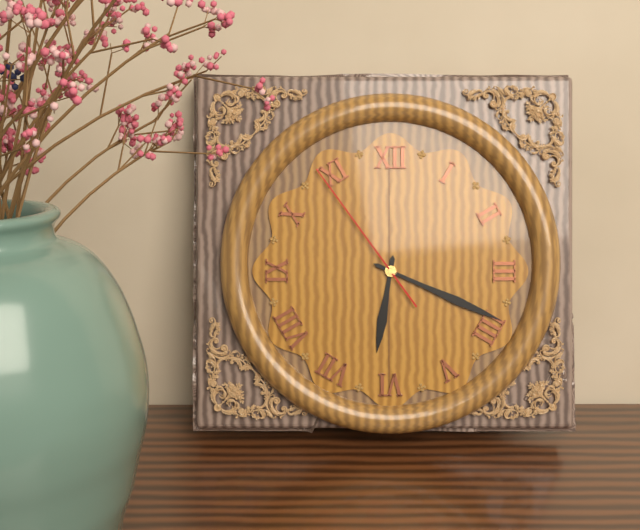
6:19:54
